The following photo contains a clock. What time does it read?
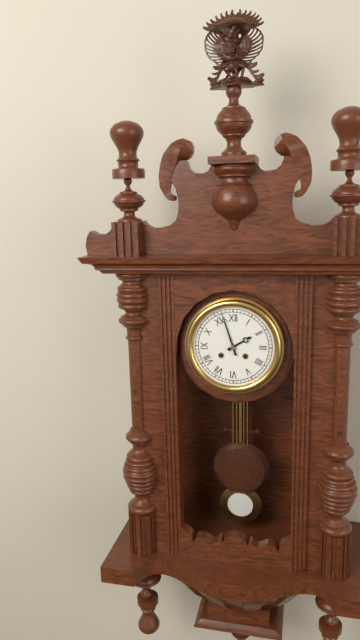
1:57
